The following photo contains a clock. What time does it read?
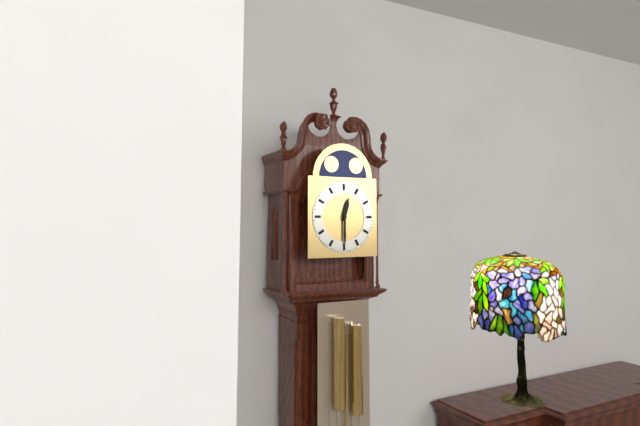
12:30
